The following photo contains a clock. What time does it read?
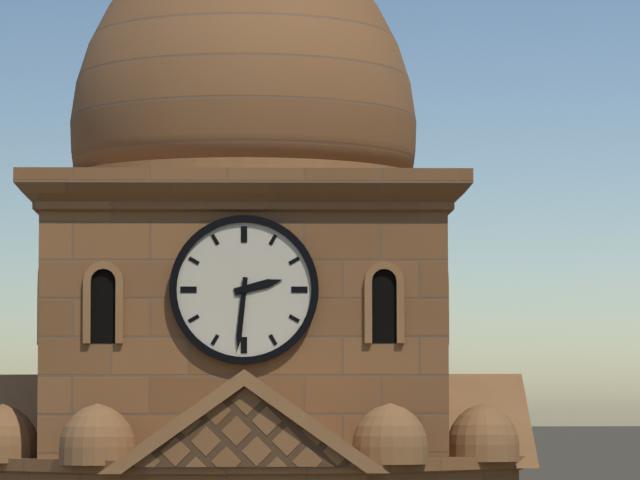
2:31
